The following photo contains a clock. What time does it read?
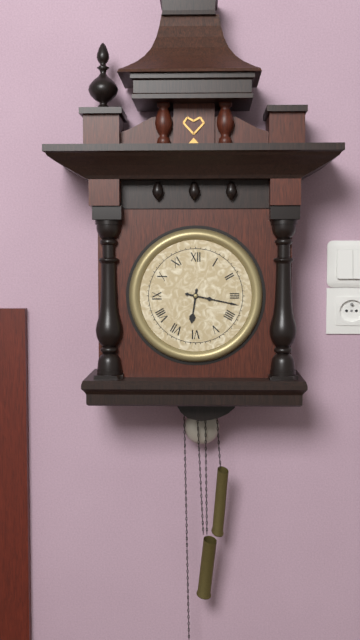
6:17
